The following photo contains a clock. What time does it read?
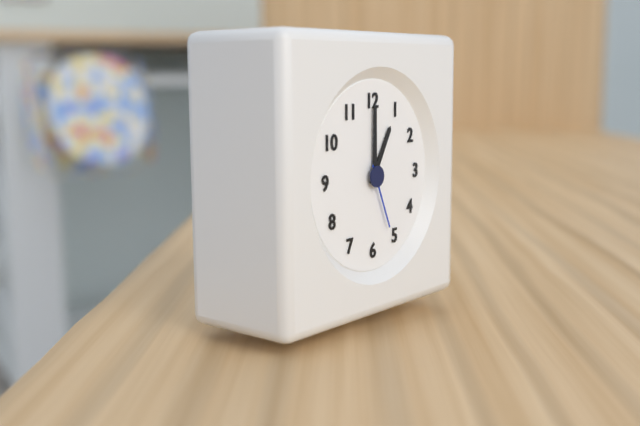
1:00:26
